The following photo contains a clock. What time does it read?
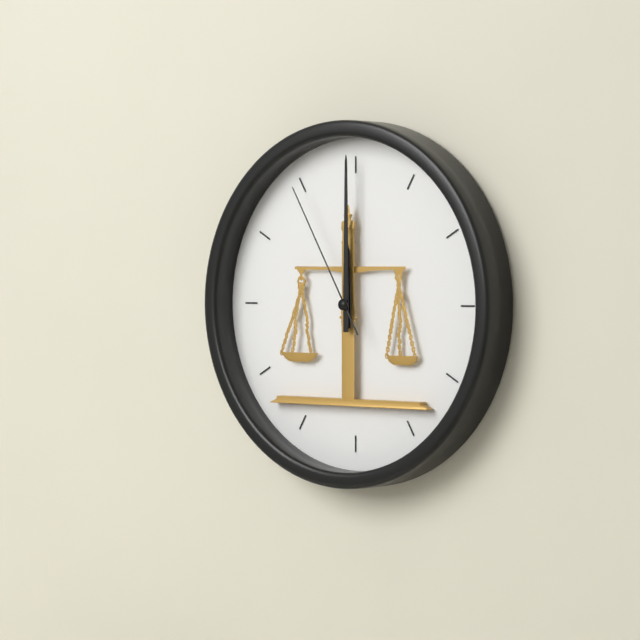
12:00:55
